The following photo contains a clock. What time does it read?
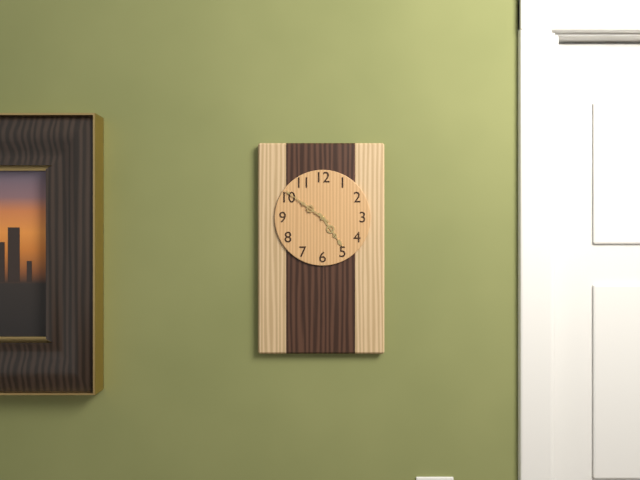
4:51
